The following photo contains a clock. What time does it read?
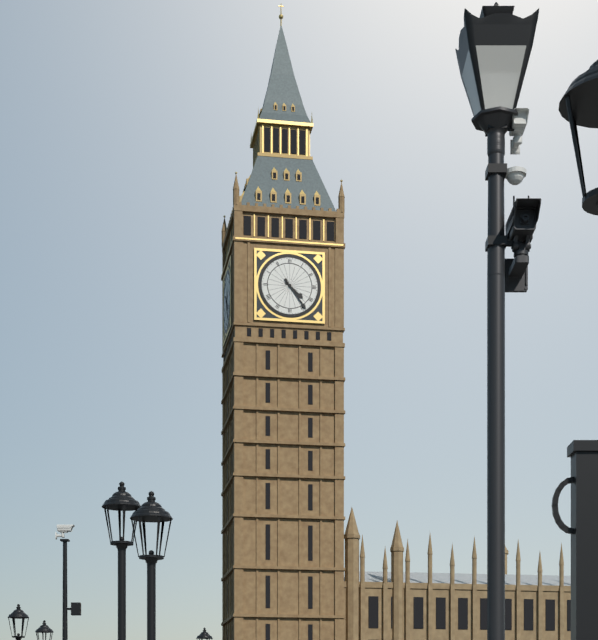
4:24
